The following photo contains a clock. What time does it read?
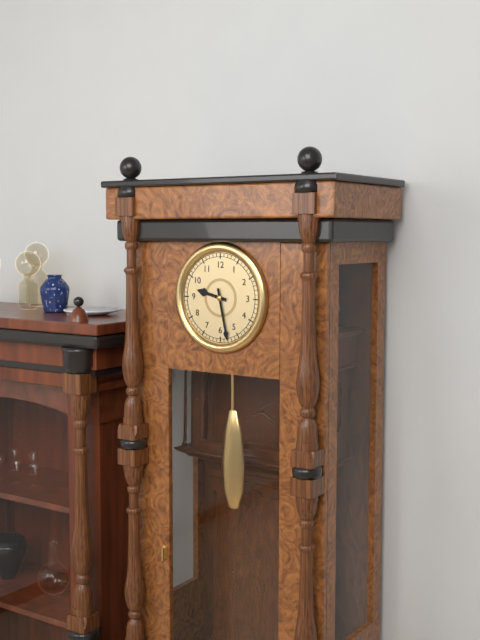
9:28
